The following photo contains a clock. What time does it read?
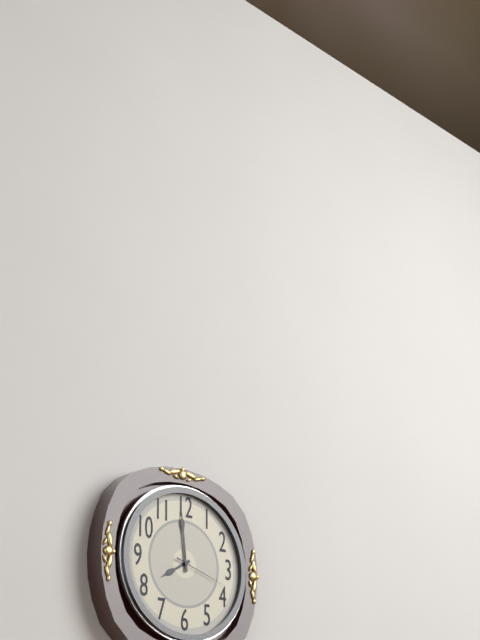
7:59:18
